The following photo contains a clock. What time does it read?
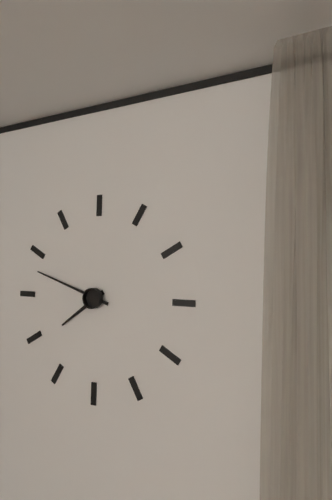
7:48
